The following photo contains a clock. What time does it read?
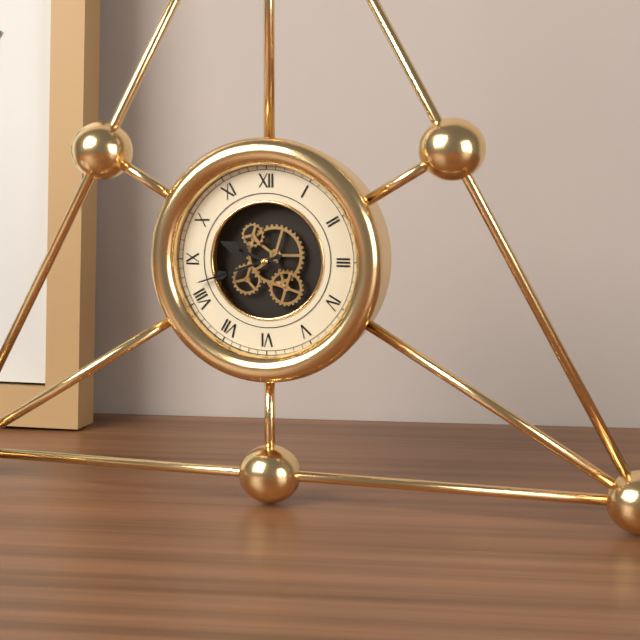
9:42
